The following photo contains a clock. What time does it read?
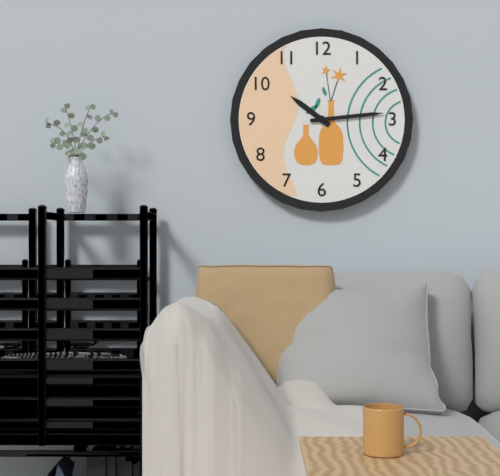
10:14
